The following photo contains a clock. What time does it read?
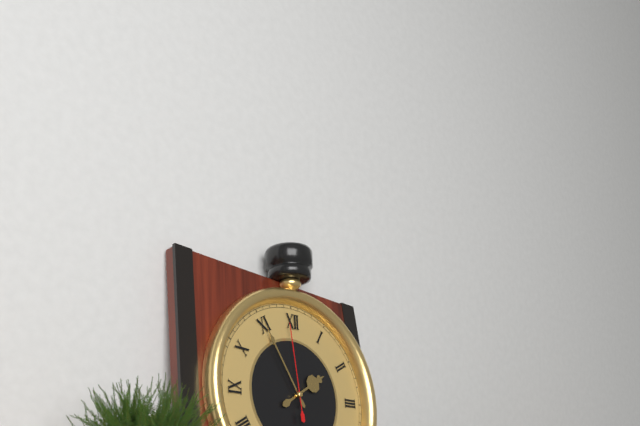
1:55:59
